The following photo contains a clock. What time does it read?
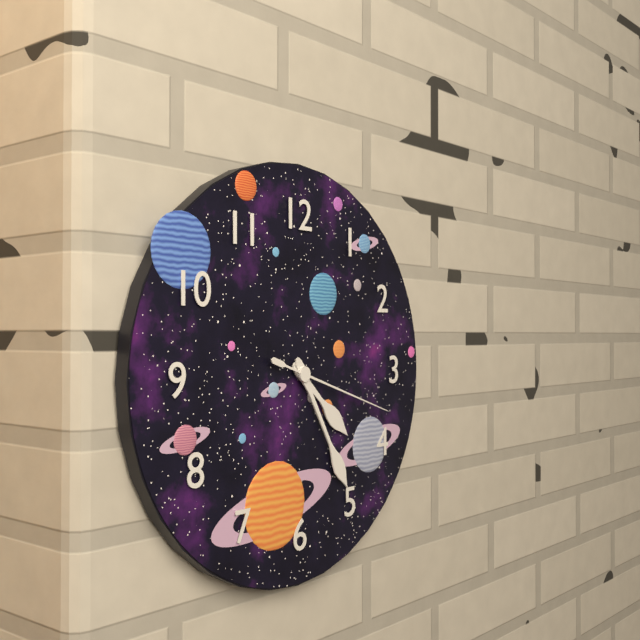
4:25:18
